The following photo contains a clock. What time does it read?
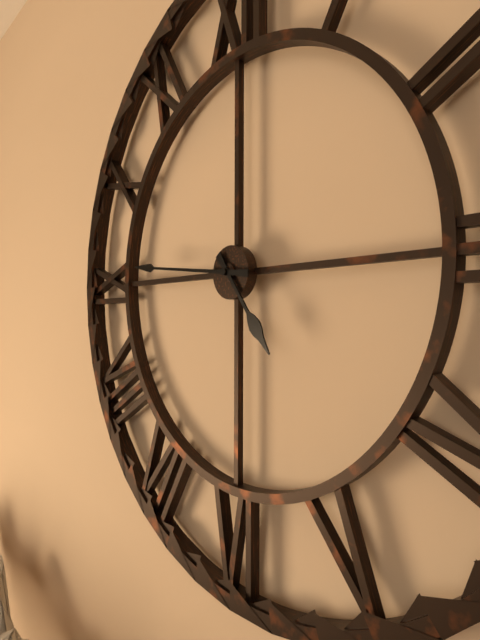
4:46
